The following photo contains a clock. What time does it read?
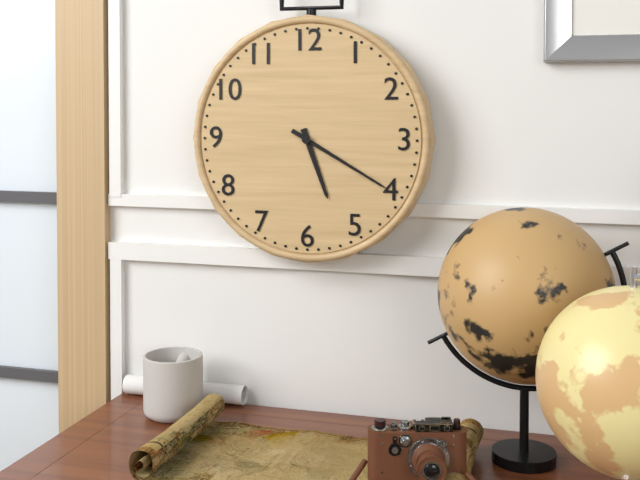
5:20
